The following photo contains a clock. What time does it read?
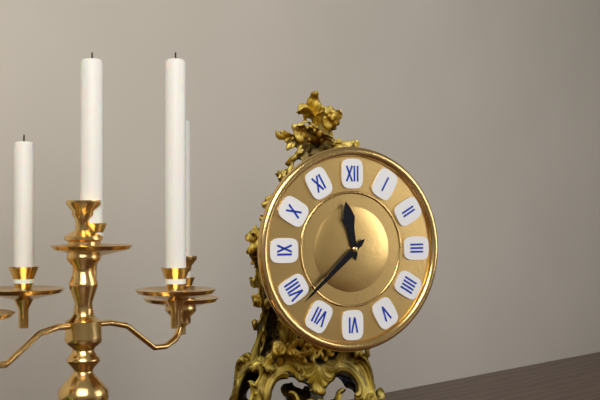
11:38
